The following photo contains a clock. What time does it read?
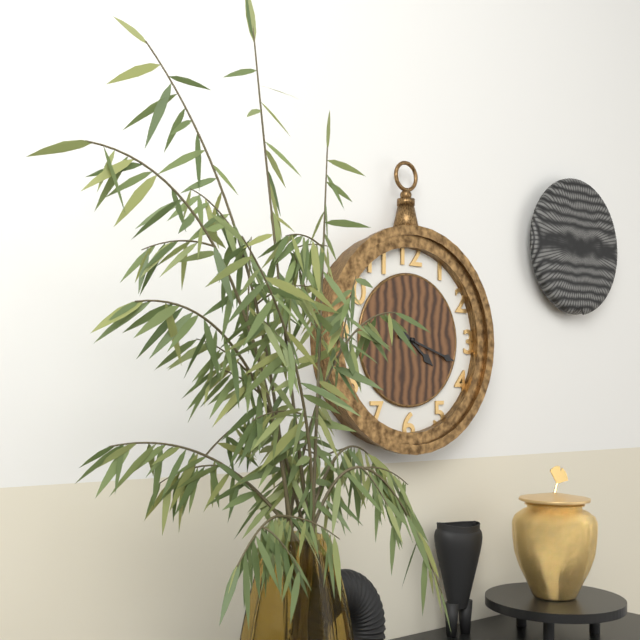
4:18
